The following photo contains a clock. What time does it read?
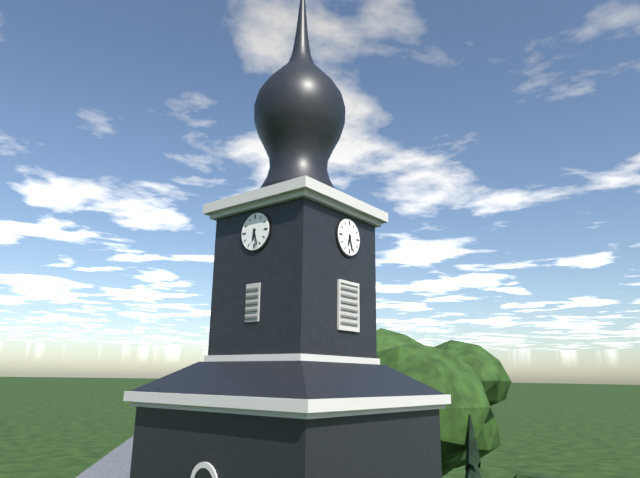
6:27
